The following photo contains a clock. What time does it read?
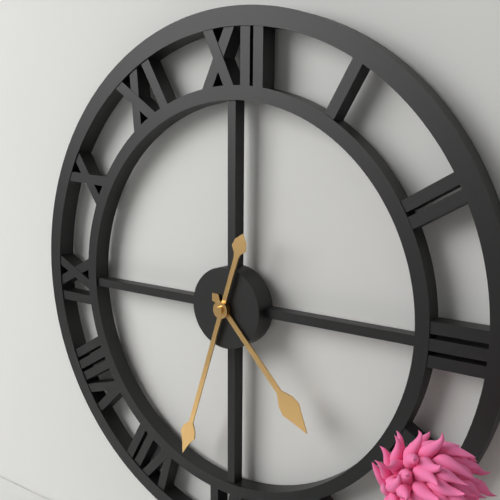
4:33
